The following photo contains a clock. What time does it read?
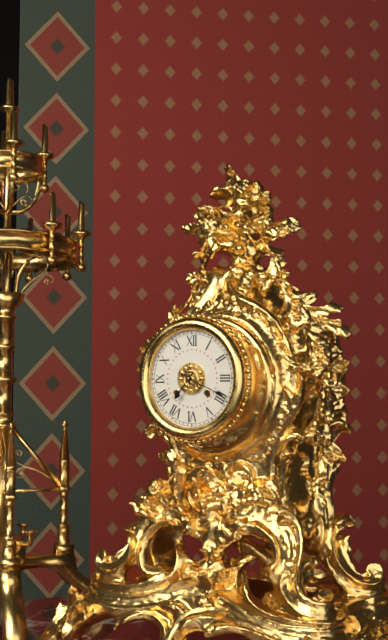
7:19
